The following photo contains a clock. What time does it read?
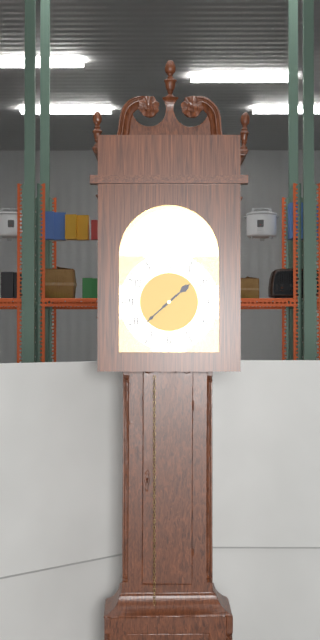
1:38
